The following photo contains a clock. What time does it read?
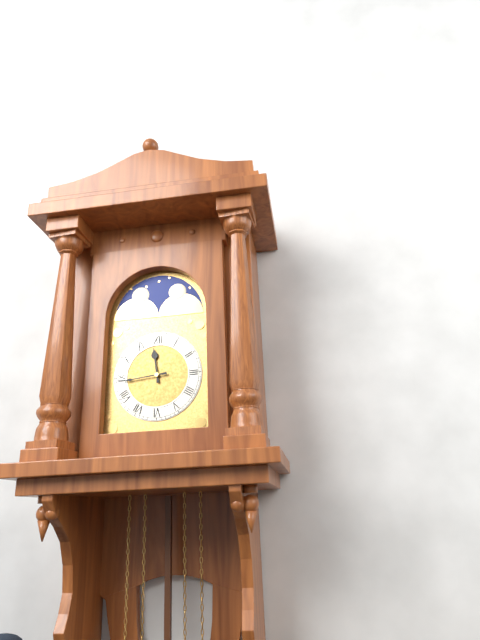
11:44
